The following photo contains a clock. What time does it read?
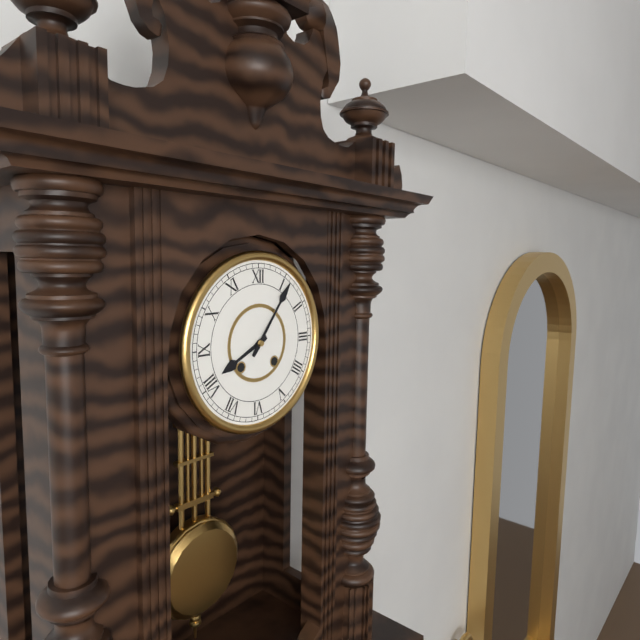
8:06
